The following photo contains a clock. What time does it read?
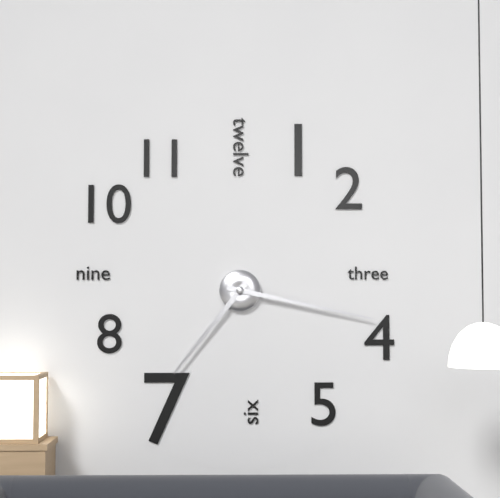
7:17
